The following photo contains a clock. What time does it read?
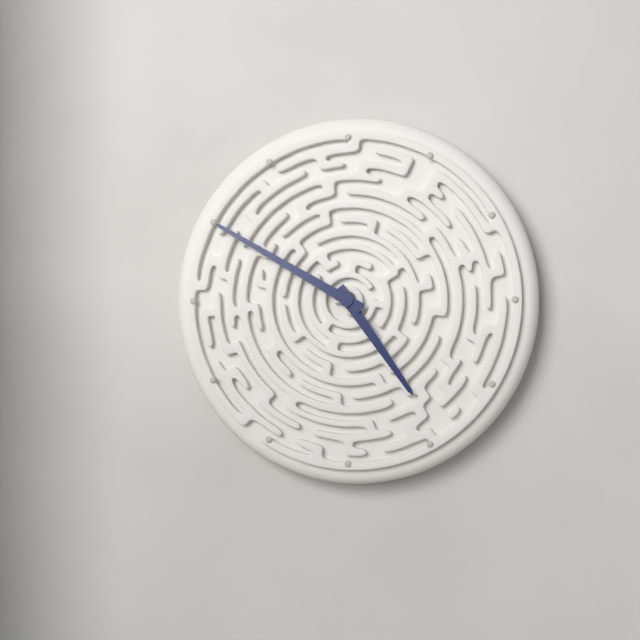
4:50
